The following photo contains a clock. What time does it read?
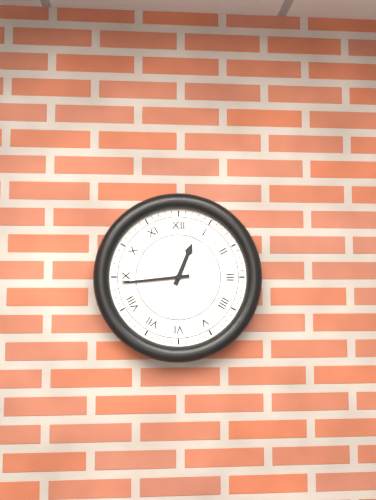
12:44
